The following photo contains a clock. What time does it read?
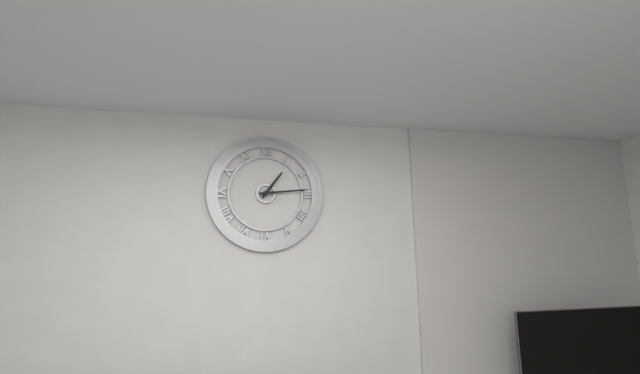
1:14
